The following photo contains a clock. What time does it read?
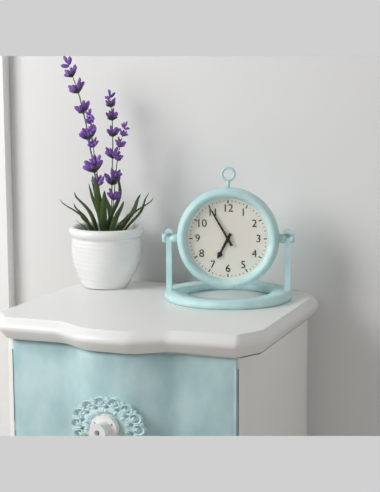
6:55
